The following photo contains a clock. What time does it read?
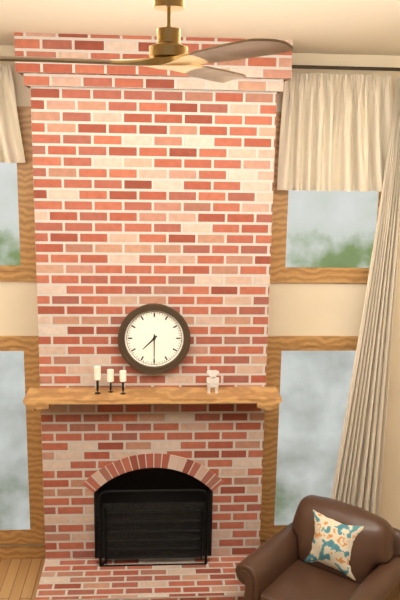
7:30
